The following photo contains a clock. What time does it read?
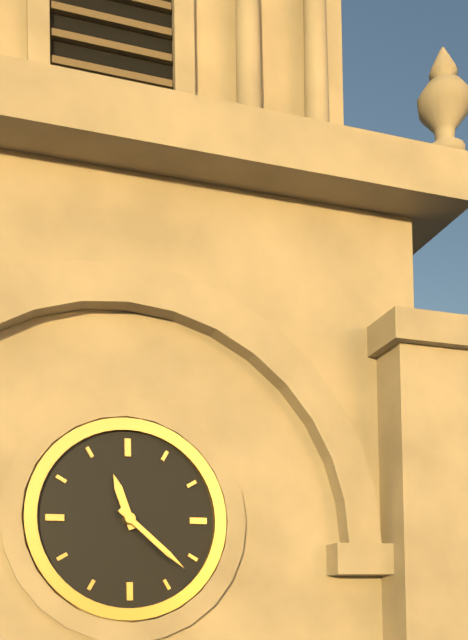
11:22
